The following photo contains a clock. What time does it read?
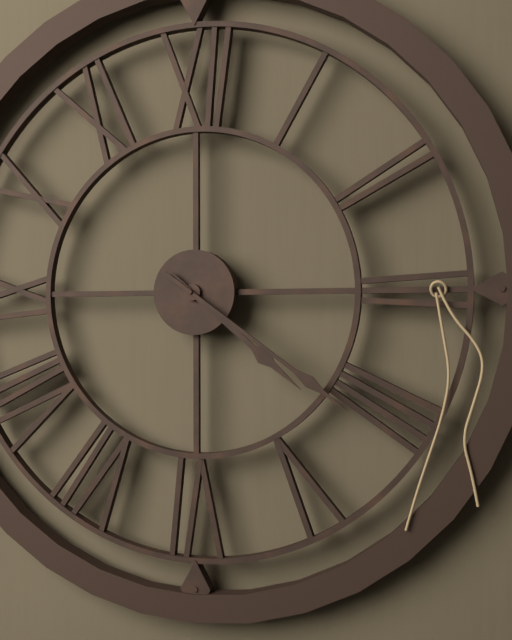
4:21
